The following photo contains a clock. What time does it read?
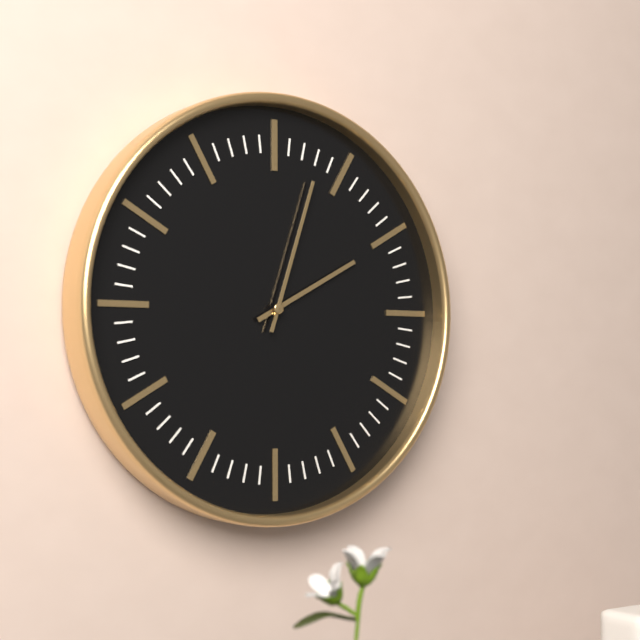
2:03
